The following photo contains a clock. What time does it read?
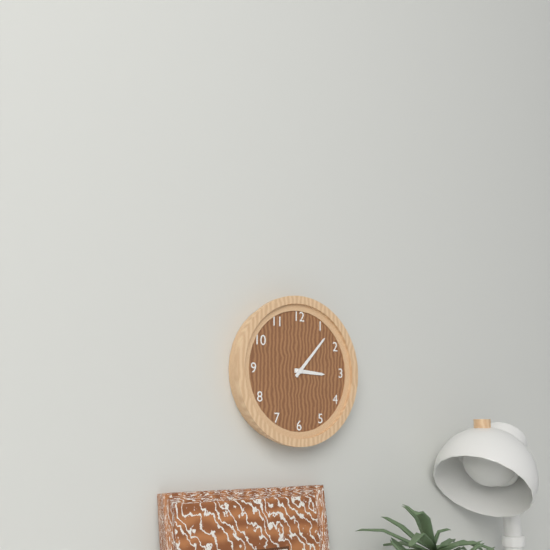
3:07
